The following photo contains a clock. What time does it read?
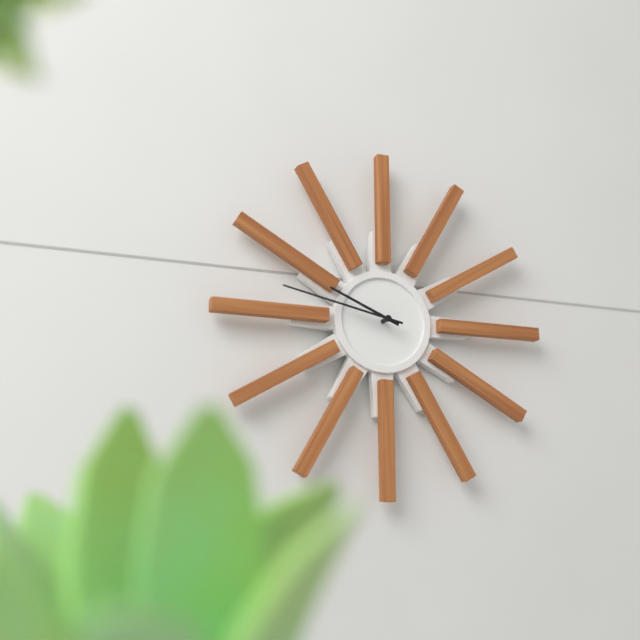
9:47
